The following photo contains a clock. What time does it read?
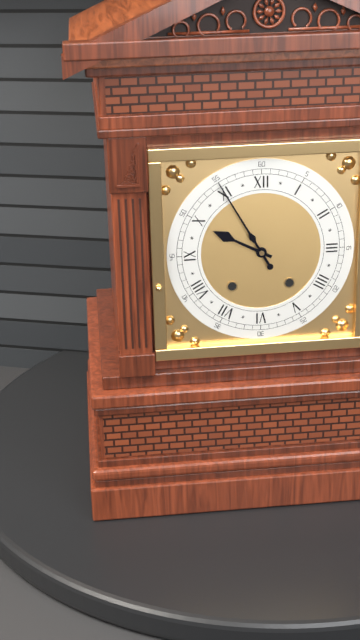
9:55
